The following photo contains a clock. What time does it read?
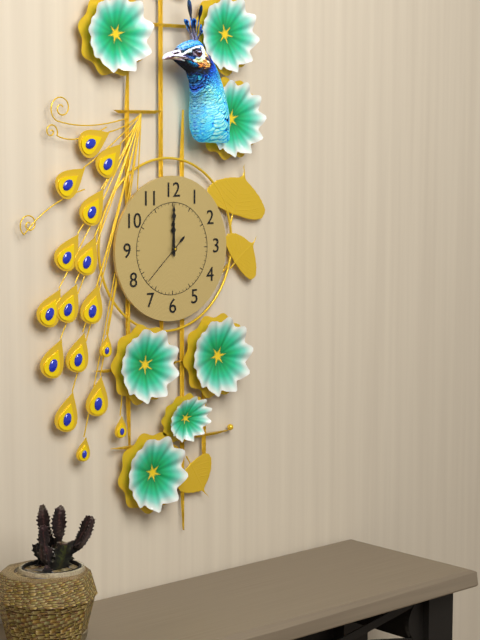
12:00:38
